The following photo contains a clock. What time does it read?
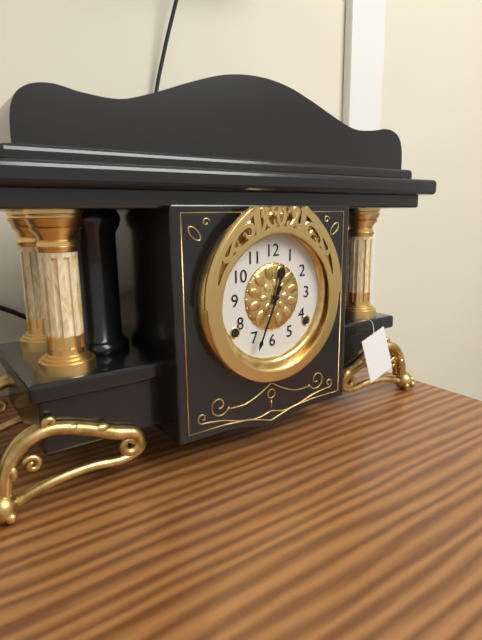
12:34
